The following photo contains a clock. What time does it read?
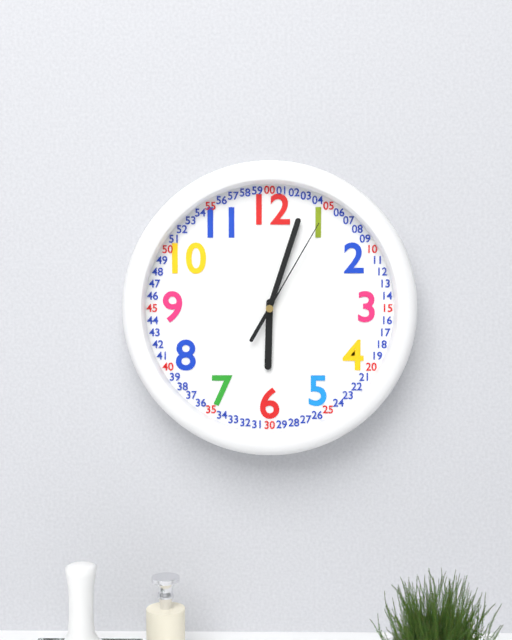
6:03:05
